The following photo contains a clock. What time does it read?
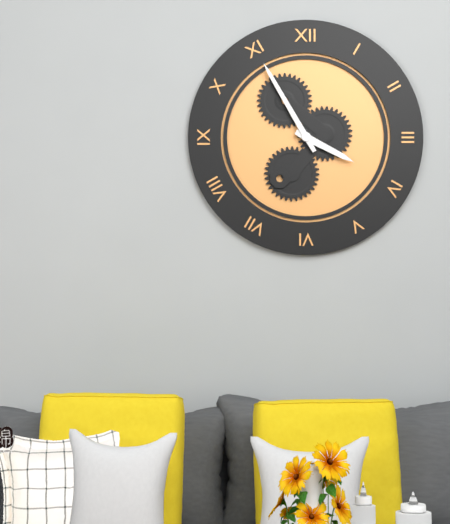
3:55
